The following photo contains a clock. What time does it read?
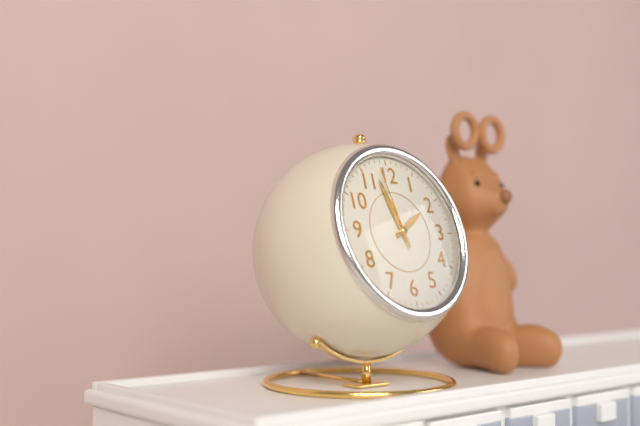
1:57:58
